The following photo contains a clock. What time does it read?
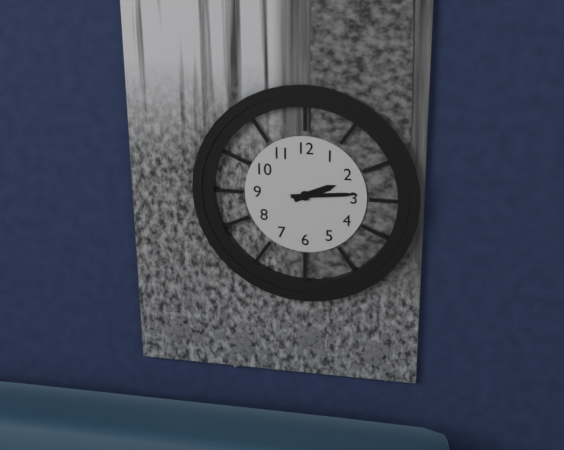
2:14
